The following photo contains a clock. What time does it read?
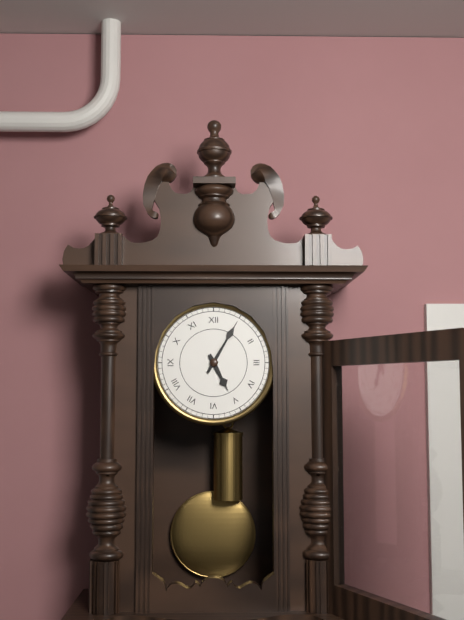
5:05
